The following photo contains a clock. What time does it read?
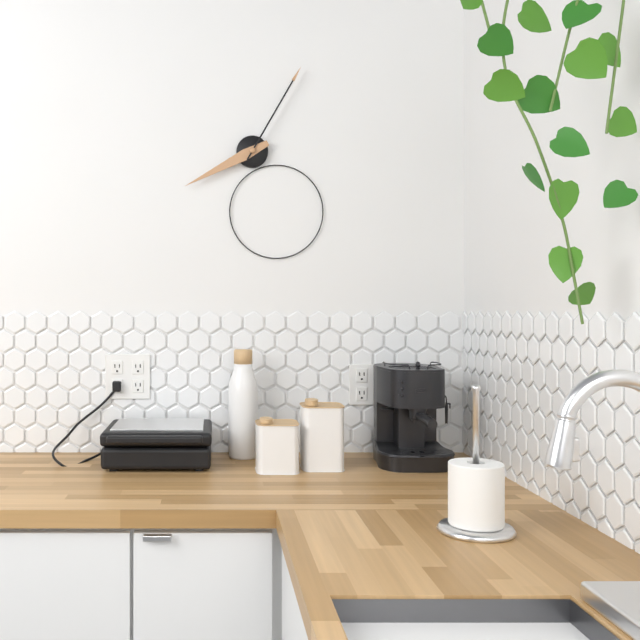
8:05
